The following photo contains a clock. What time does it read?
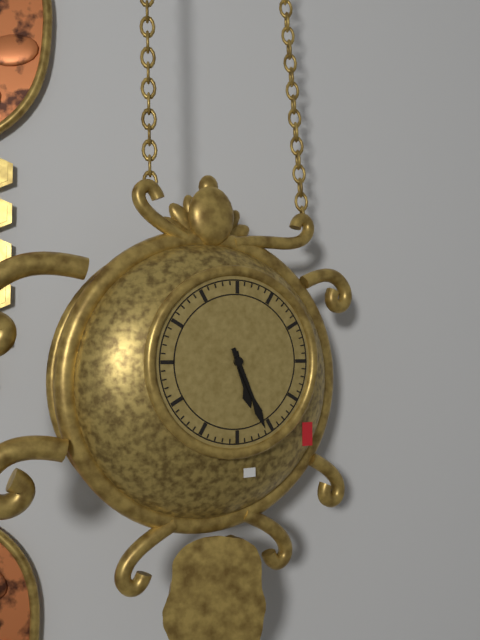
5:26
